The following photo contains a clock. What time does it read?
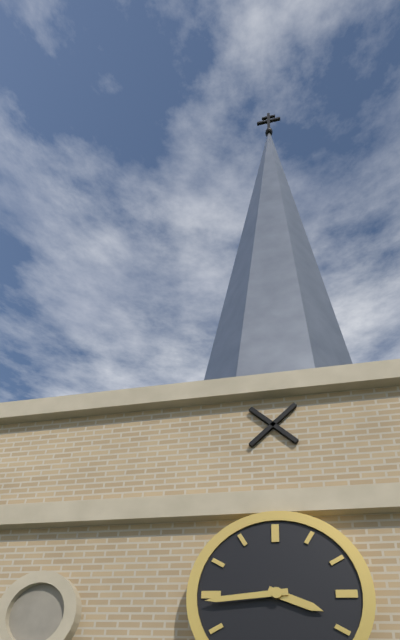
3:44
